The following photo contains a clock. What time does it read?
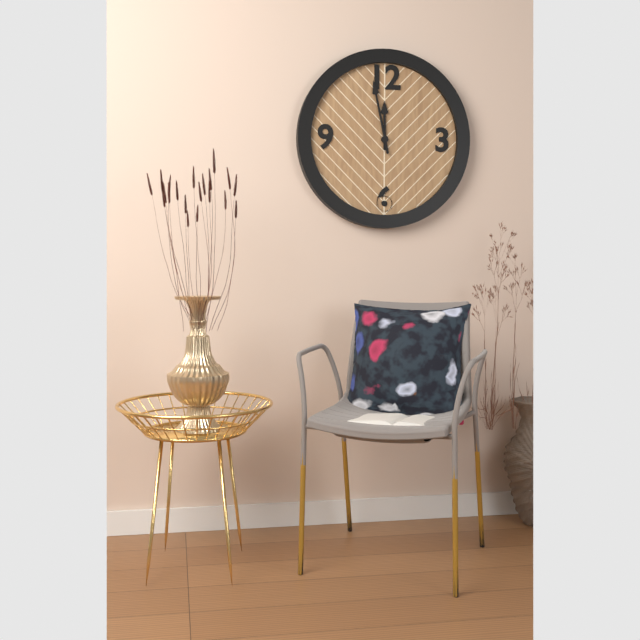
11:58
